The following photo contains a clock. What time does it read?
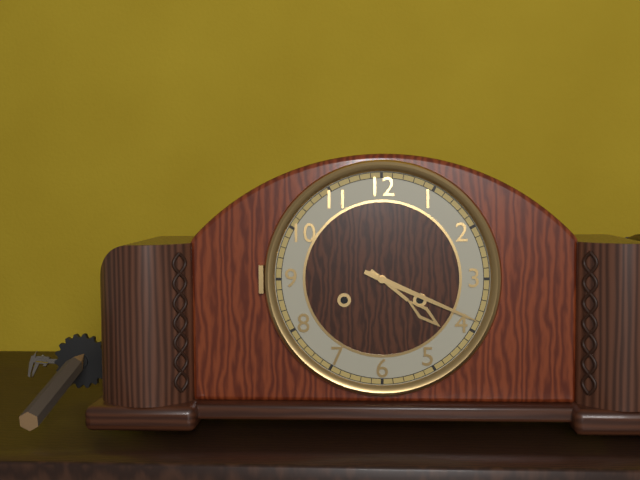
4:19
